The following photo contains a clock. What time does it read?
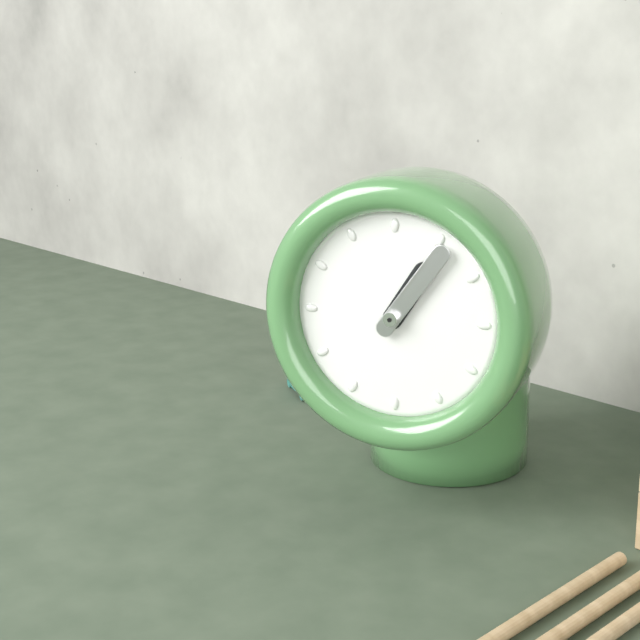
1:06
